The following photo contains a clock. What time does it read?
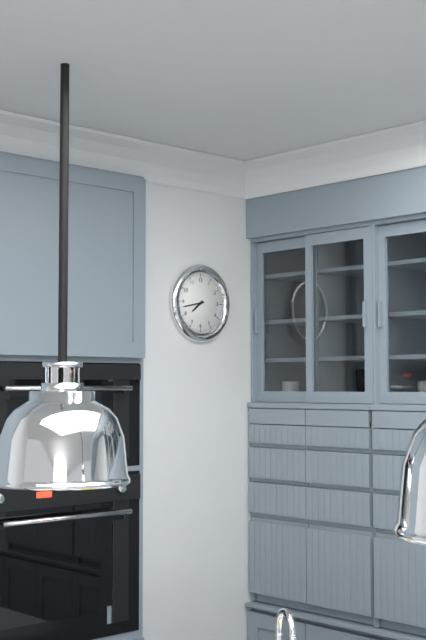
7:43
